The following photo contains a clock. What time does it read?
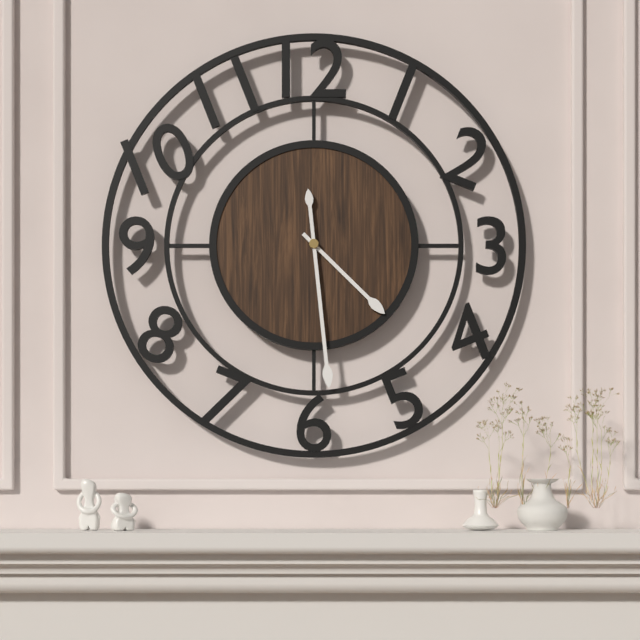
4:29
